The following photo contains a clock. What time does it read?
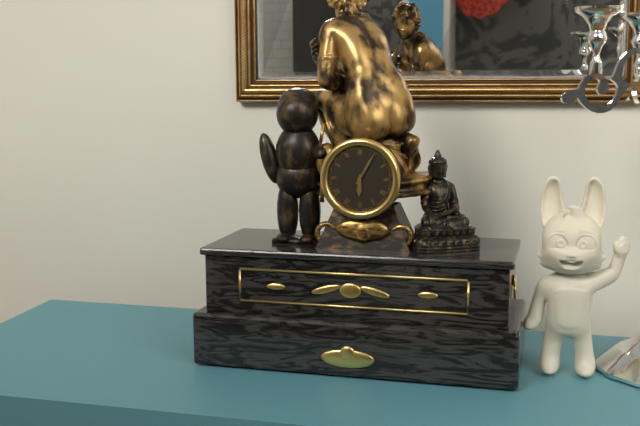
6:05
